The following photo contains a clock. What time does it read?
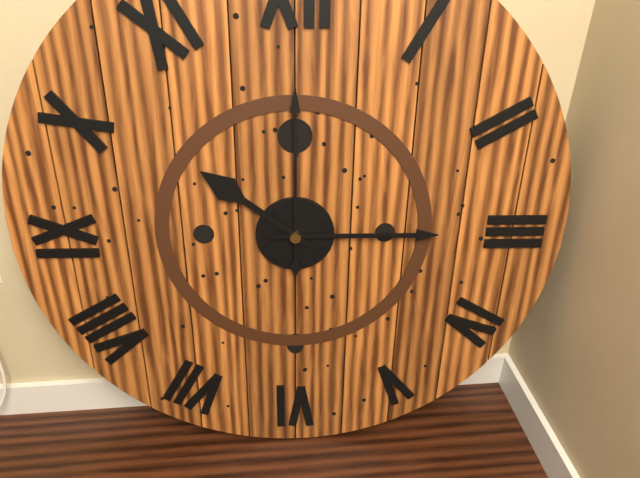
10:15:00
